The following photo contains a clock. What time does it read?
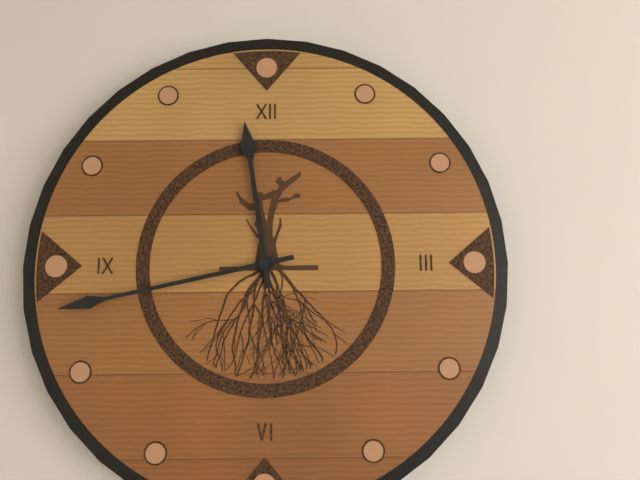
11:43
